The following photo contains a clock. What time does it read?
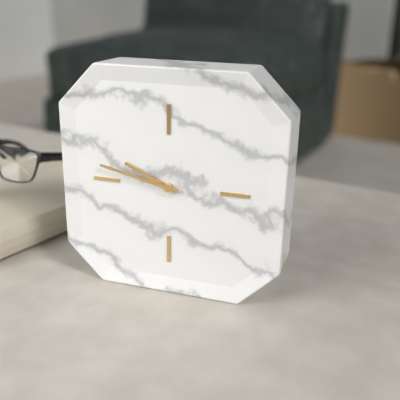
9:47
